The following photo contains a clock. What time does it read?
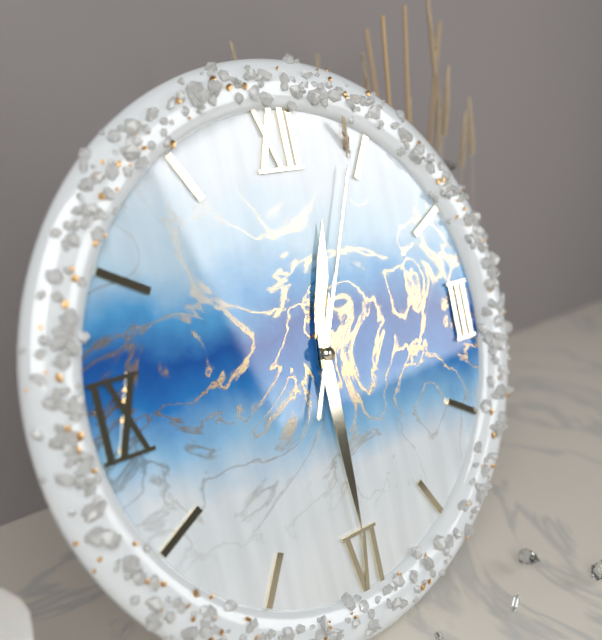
12:30:04
